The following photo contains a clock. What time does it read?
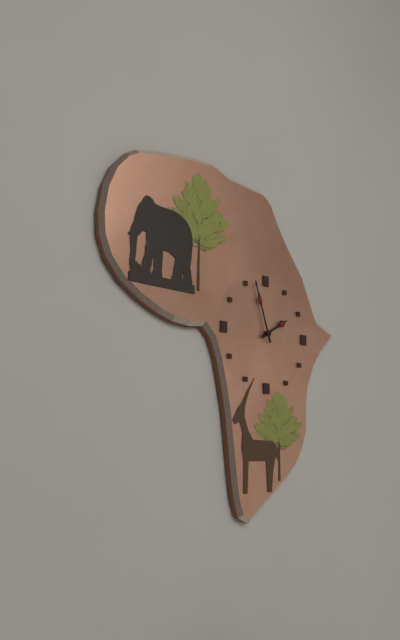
1:57
